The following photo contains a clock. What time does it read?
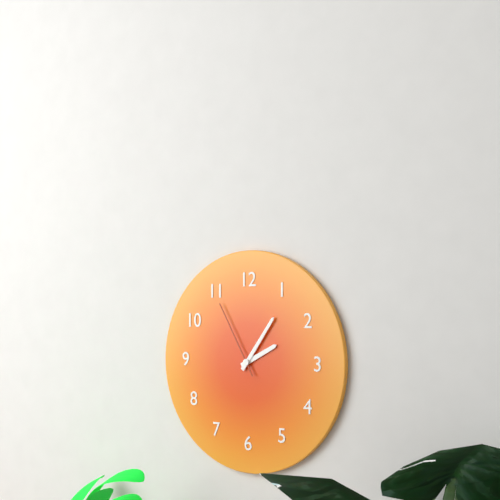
2:06:55
